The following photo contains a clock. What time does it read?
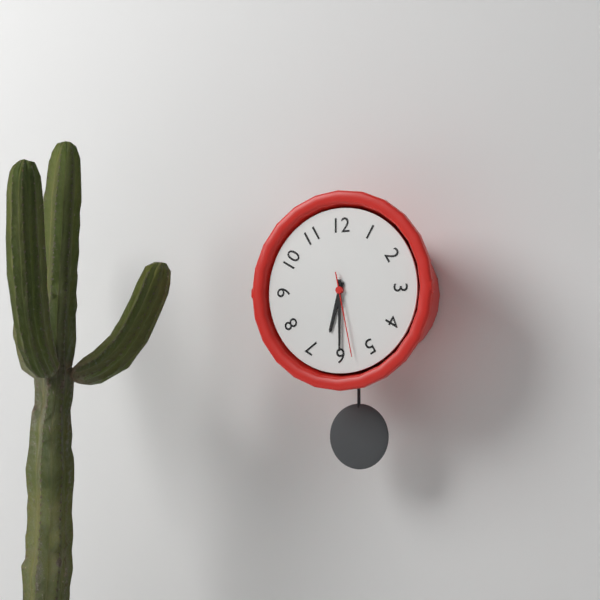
6:30:28
